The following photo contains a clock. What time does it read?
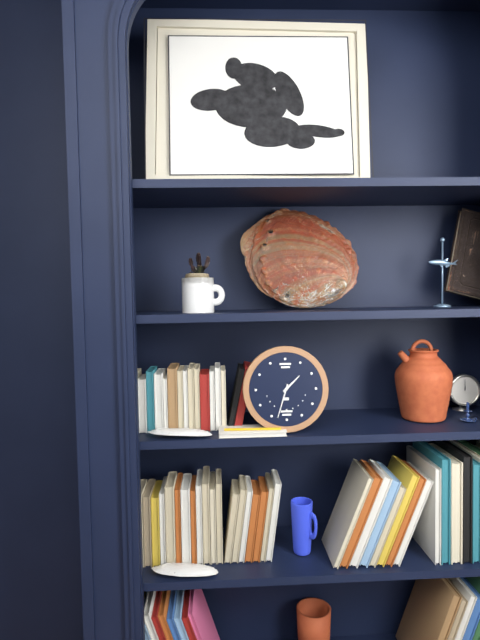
1:33
